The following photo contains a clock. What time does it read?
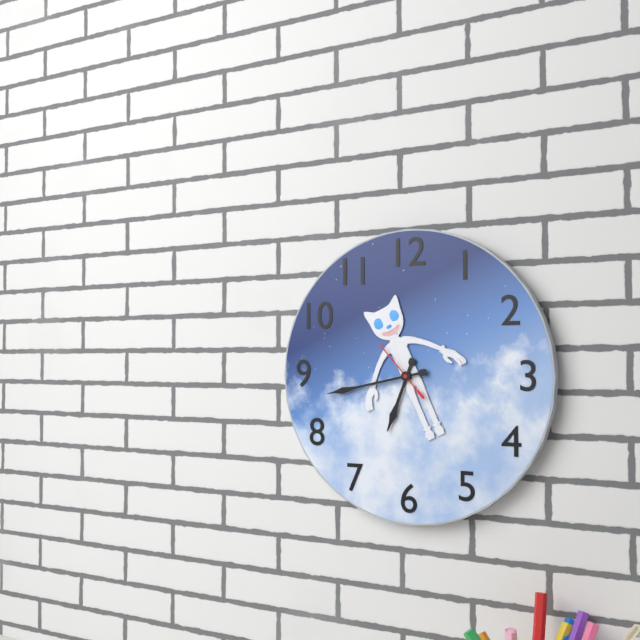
6:43:53
